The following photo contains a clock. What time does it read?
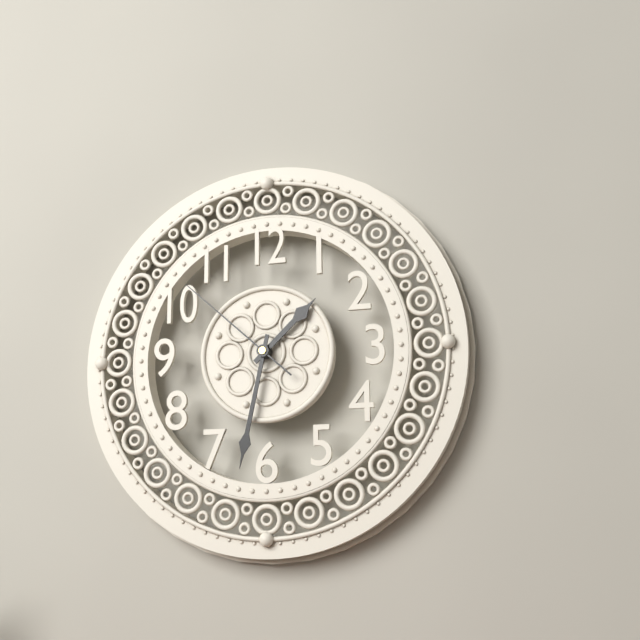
1:32:52
